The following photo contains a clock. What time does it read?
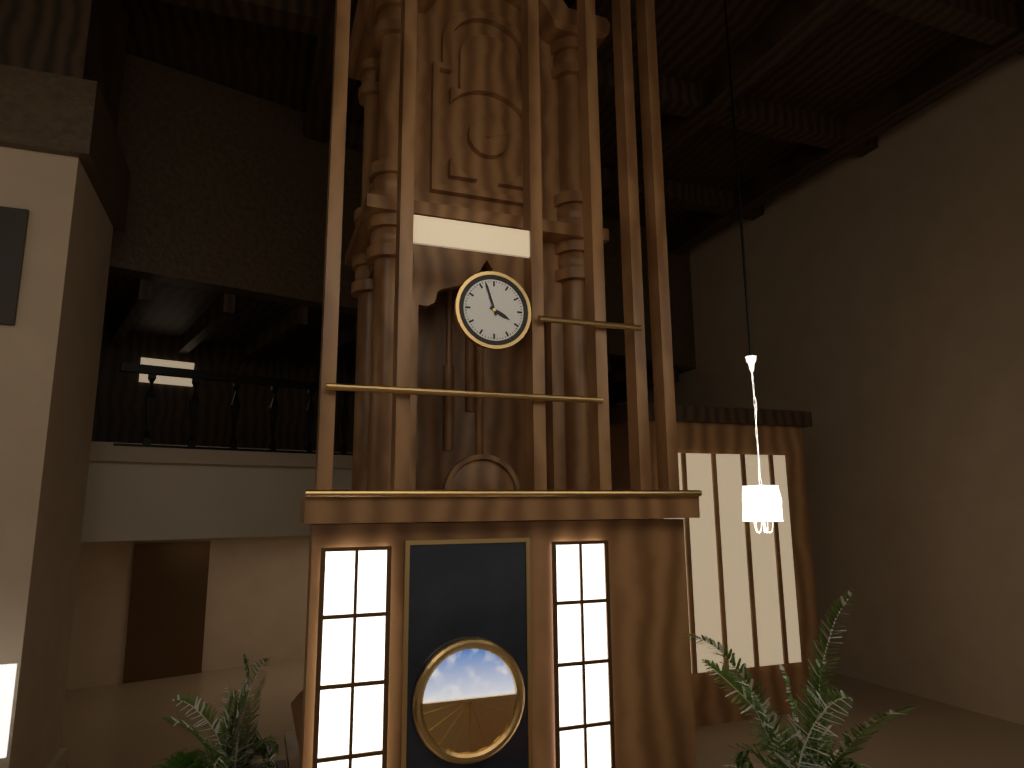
3:57
